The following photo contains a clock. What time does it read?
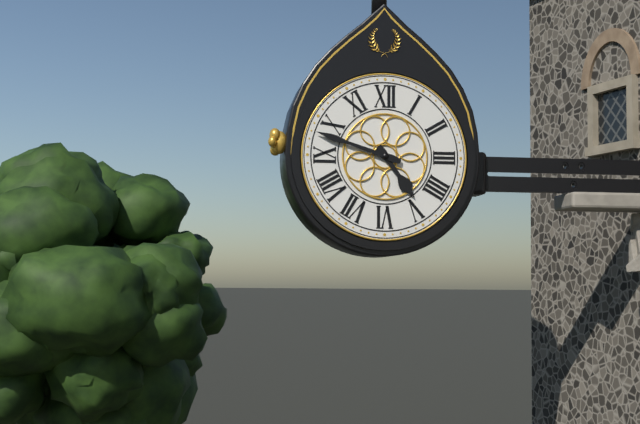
4:48
